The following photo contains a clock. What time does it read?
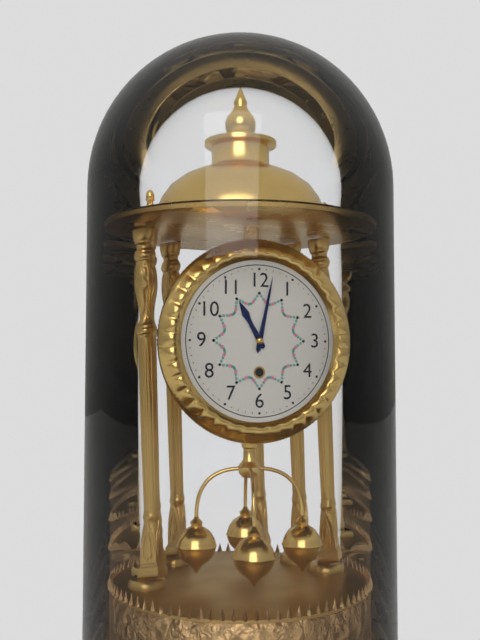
11:02
